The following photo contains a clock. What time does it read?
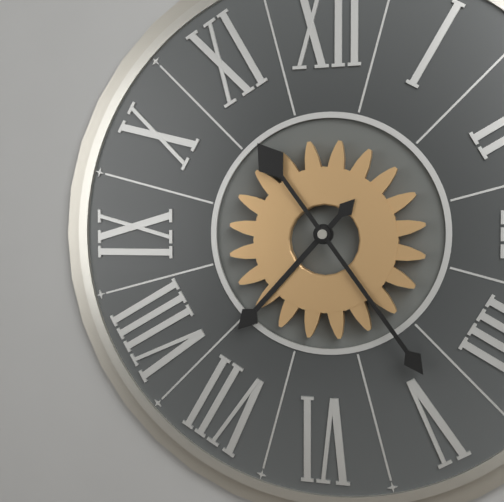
7:24
